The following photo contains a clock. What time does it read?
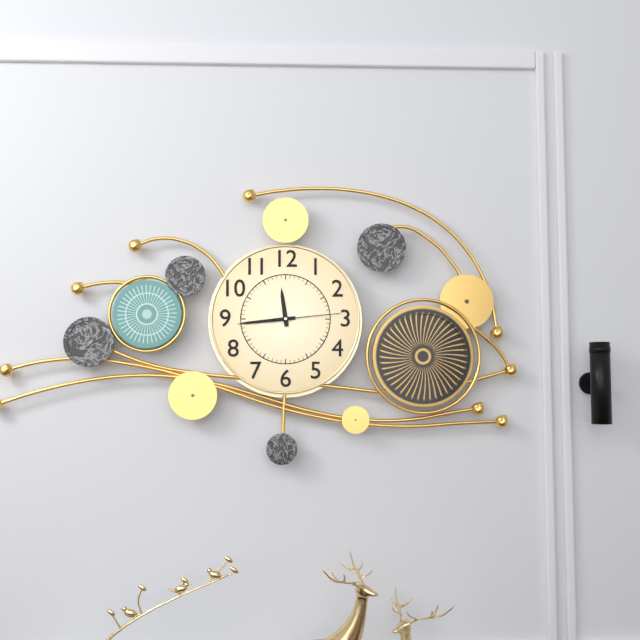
11:44:14
